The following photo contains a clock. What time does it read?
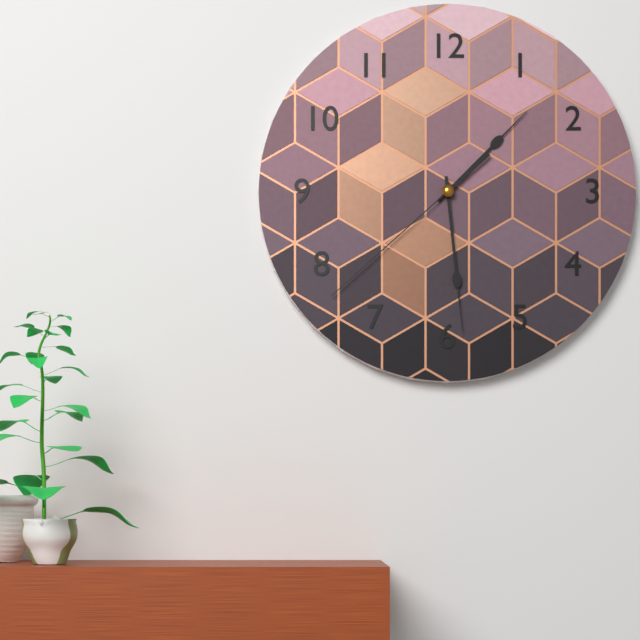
1:29:38
